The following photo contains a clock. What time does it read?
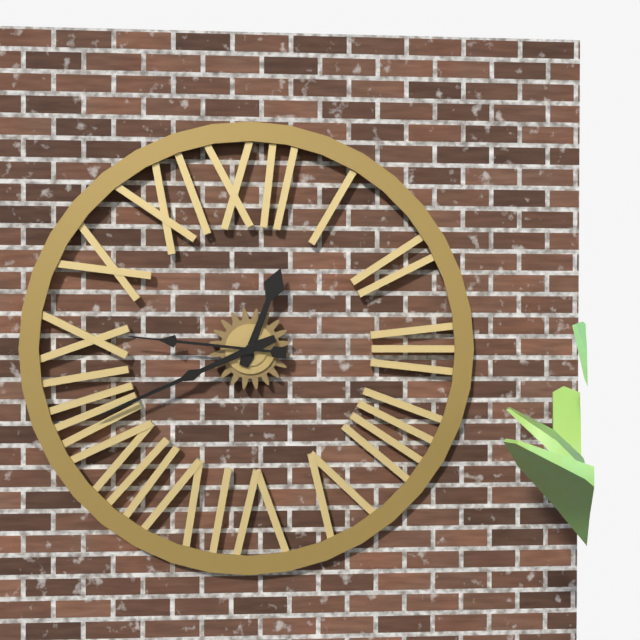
12:41:46
